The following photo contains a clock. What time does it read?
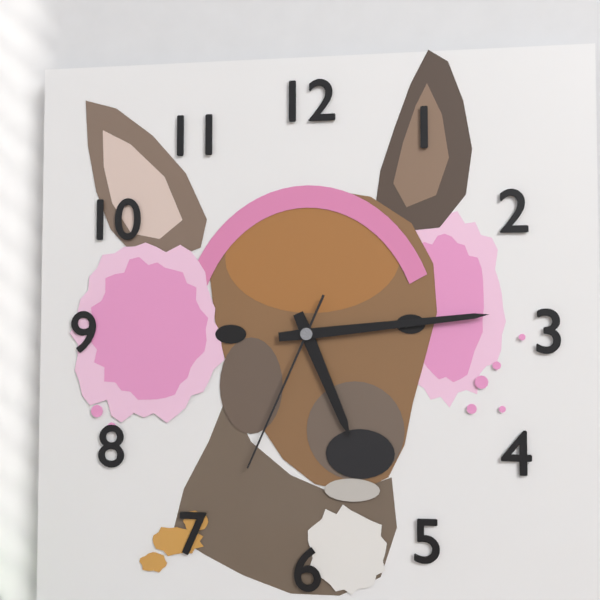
5:14:34
